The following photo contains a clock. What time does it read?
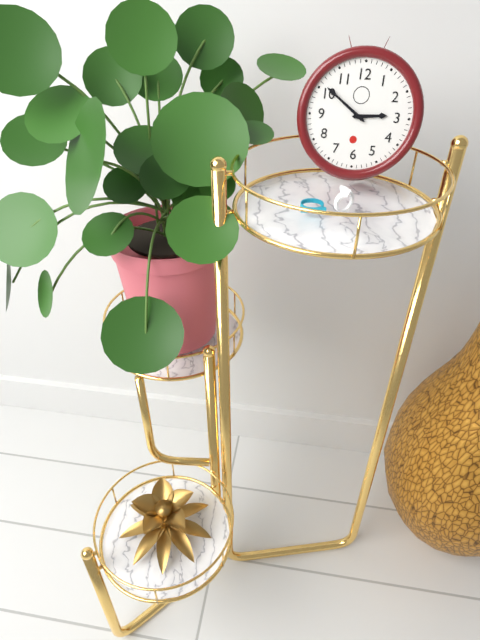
2:51
